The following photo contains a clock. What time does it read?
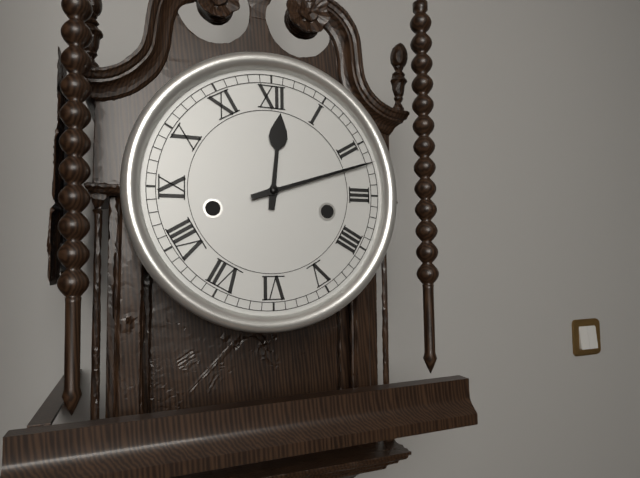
12:12
